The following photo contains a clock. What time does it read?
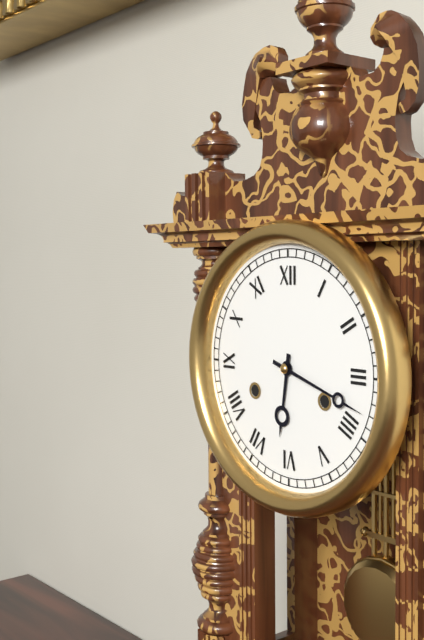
6:18
